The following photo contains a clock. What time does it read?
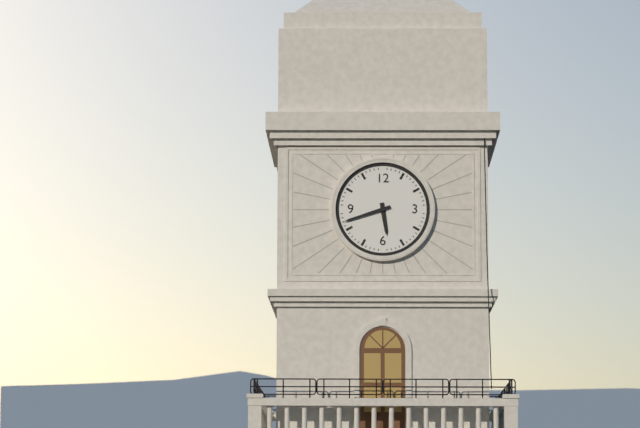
5:42
